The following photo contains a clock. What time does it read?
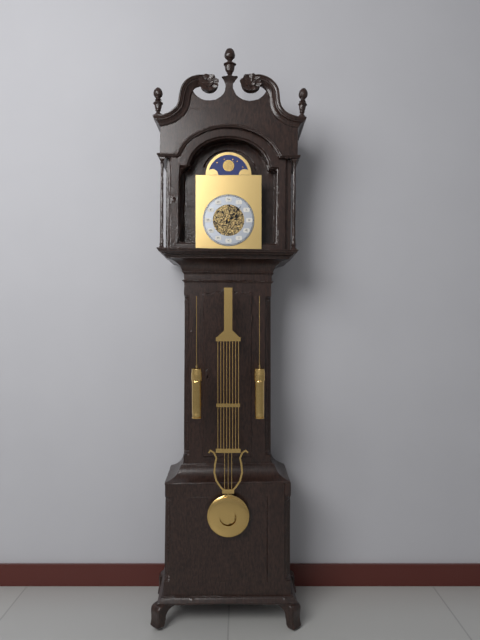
2:07
